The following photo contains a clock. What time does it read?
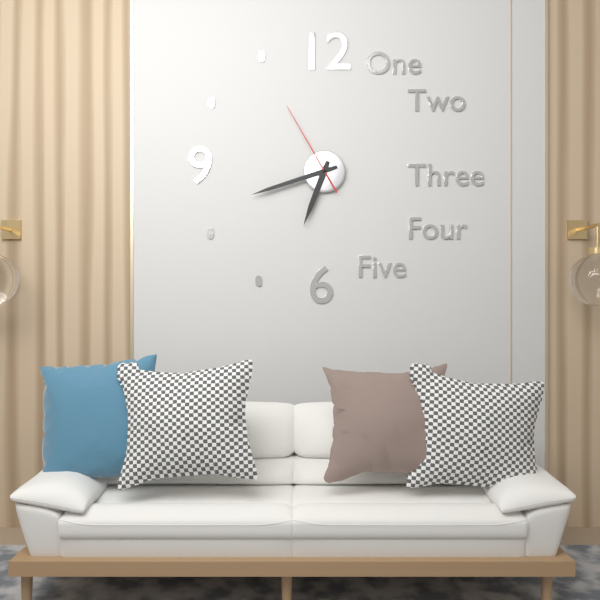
6:42:55
